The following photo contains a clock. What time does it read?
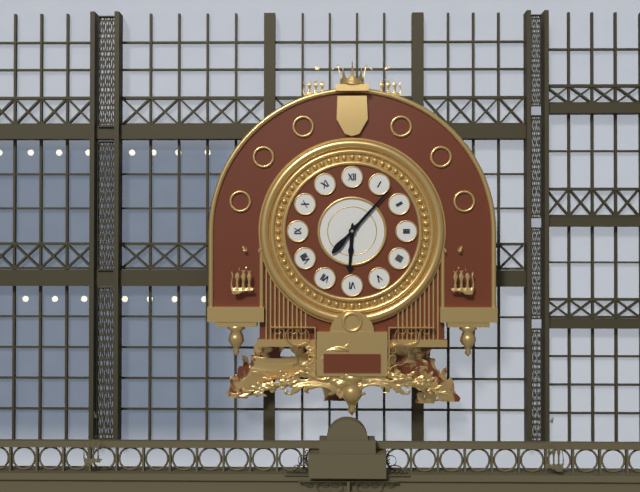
6:07
